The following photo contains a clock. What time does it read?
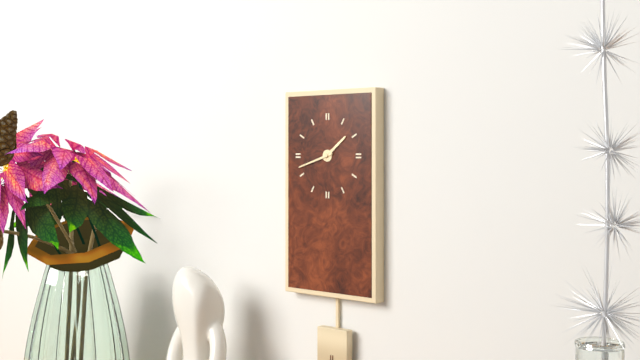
1:42
